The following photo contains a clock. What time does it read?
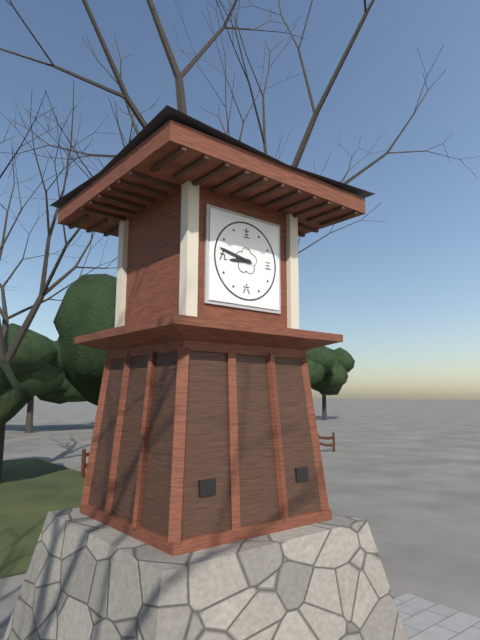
8:47
